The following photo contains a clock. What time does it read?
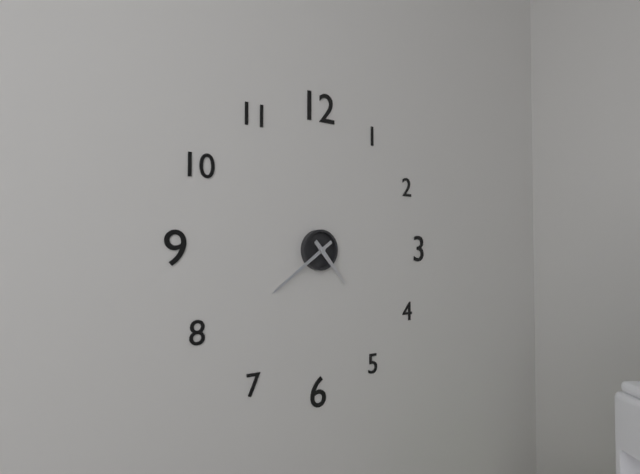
4:39
